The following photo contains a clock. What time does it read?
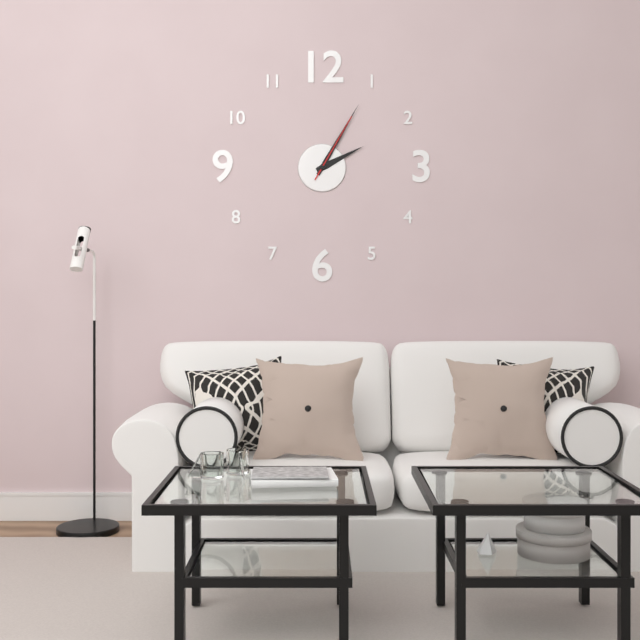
2:05:05
